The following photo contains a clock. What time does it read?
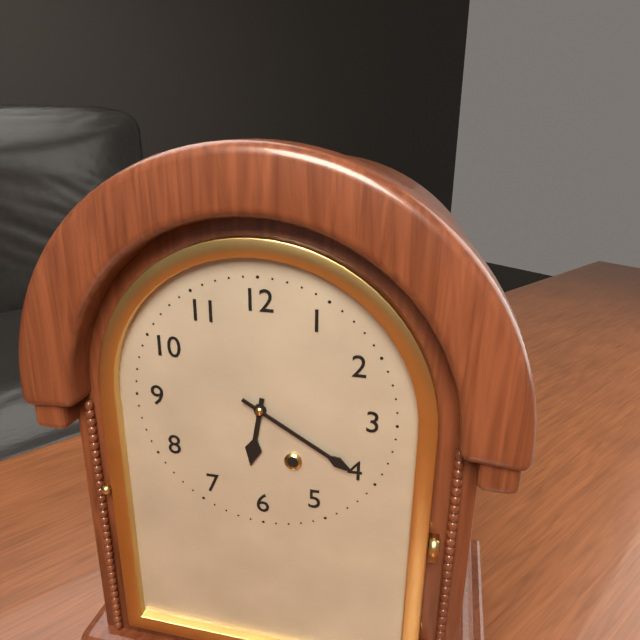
6:20
